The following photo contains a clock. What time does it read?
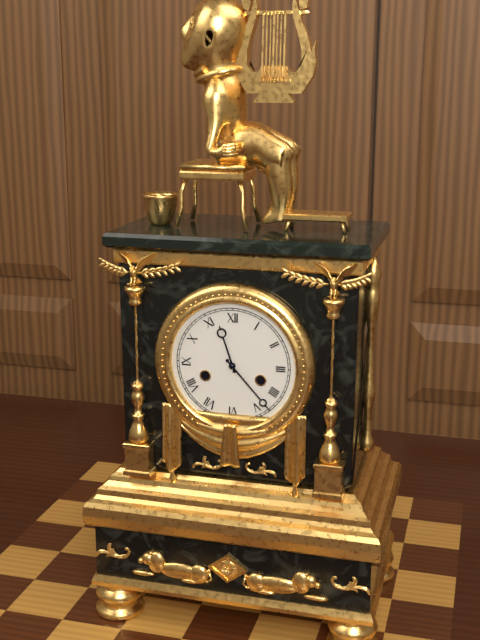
11:23
